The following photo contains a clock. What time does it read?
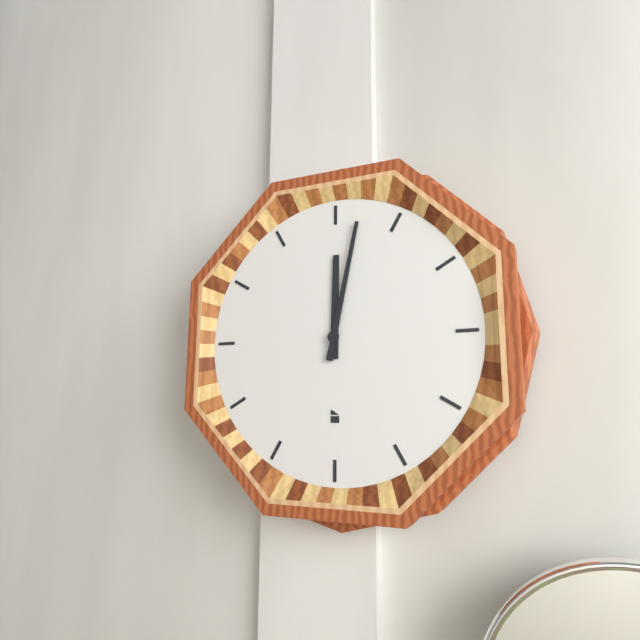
12:02
